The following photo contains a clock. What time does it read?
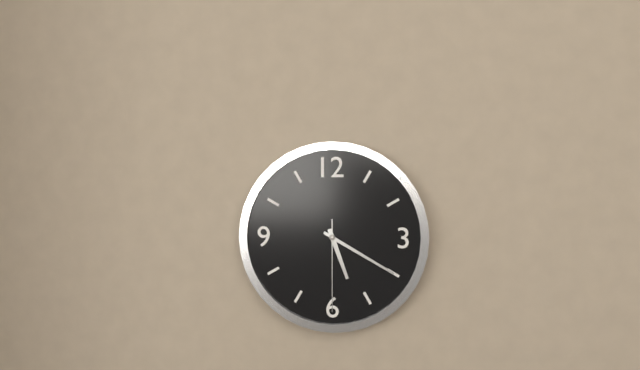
5:20:30
